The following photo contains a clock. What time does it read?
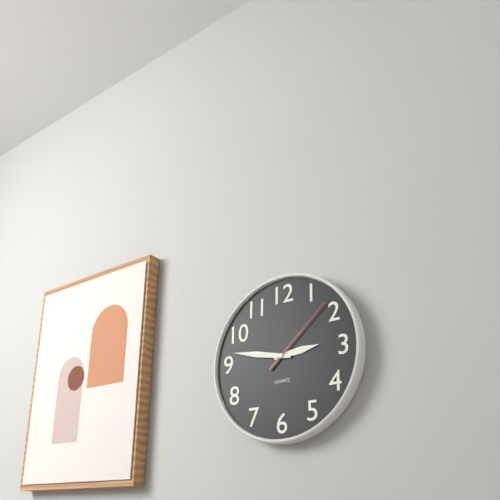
2:47:08
